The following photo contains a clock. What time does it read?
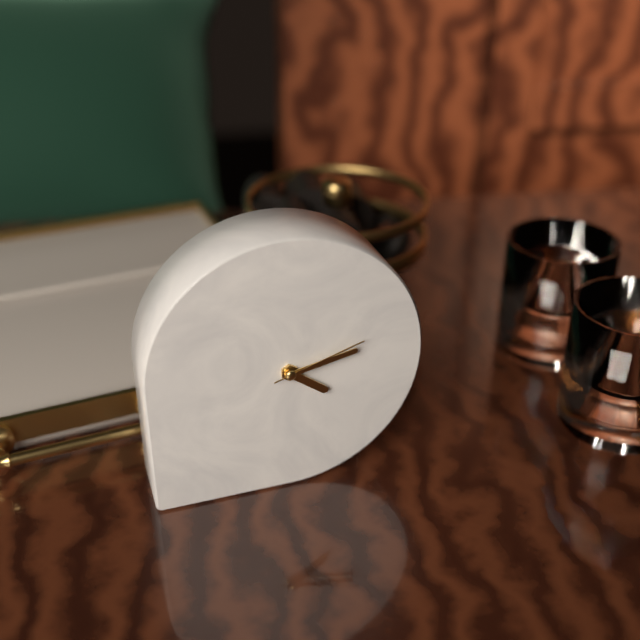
4:13:12
